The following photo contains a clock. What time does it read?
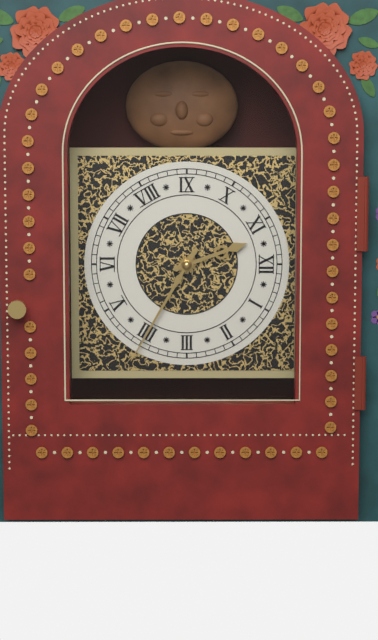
11:20
